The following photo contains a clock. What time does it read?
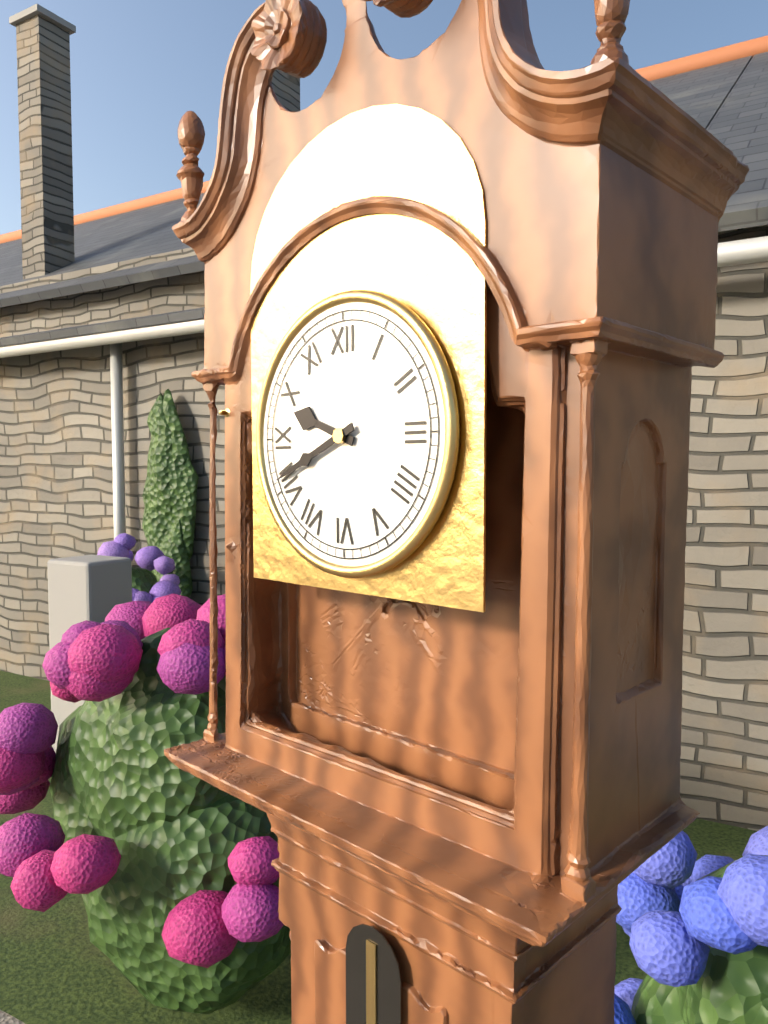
9:41
